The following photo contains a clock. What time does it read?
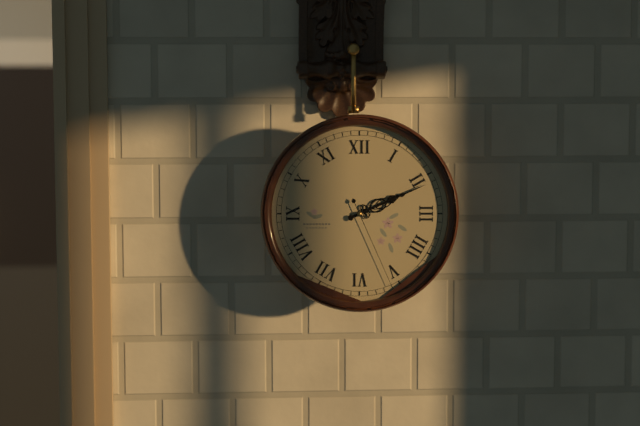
2:11:26
